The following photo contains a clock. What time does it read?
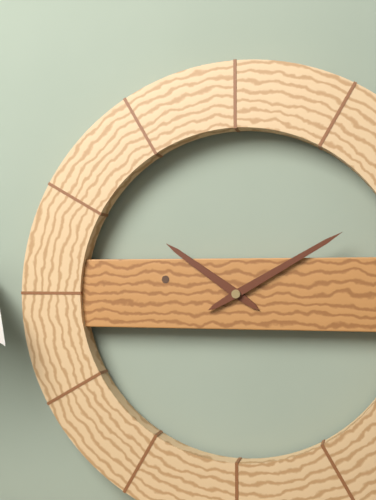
10:10
